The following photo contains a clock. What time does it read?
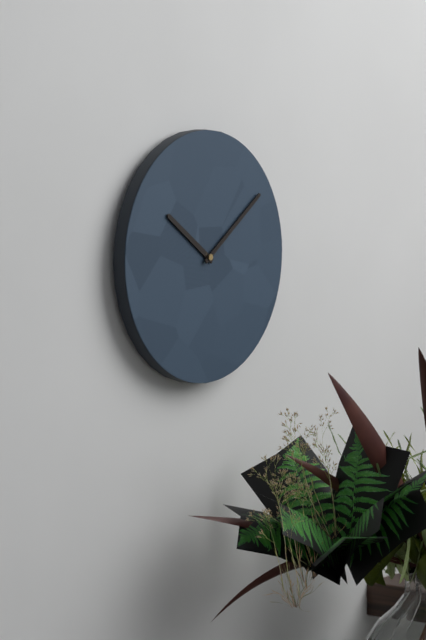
10:09
